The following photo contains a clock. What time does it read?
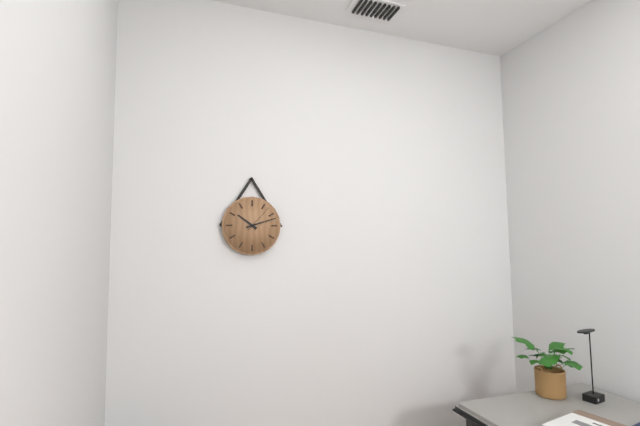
10:12
